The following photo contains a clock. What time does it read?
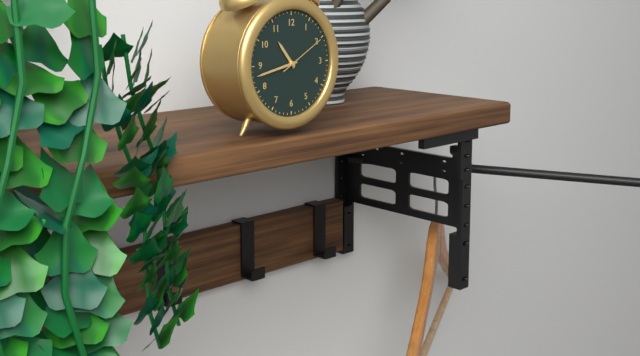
10:43
